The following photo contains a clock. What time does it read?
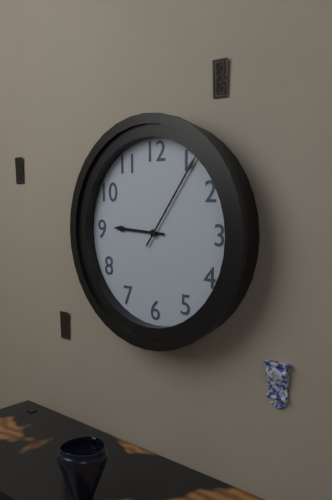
9:06
